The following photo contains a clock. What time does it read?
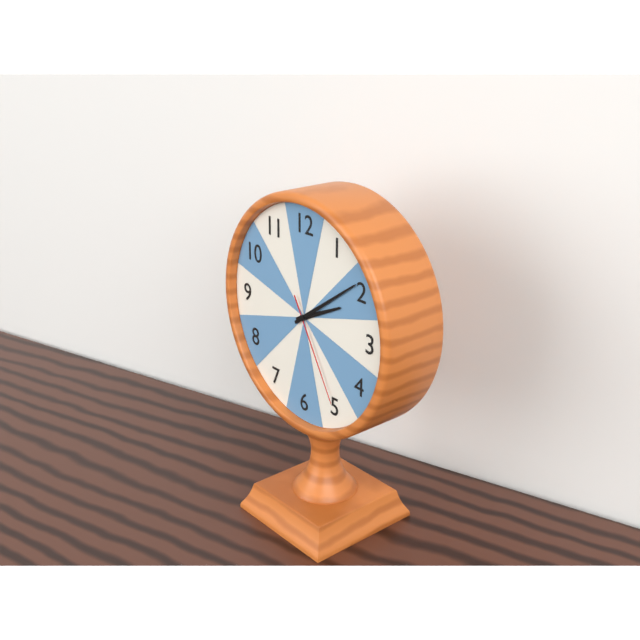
2:09:25
